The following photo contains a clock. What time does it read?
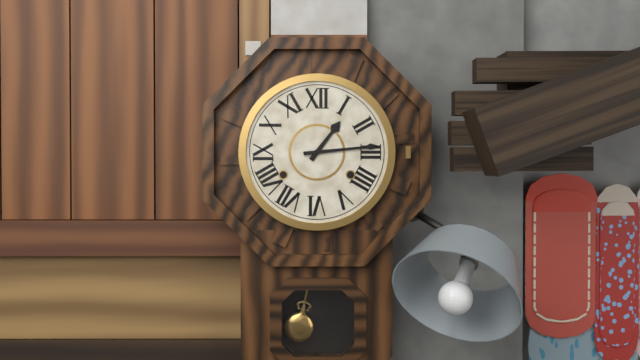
1:14
